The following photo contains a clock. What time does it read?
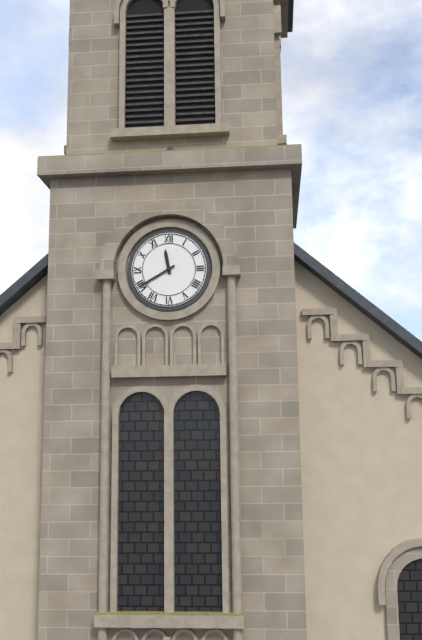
11:40
